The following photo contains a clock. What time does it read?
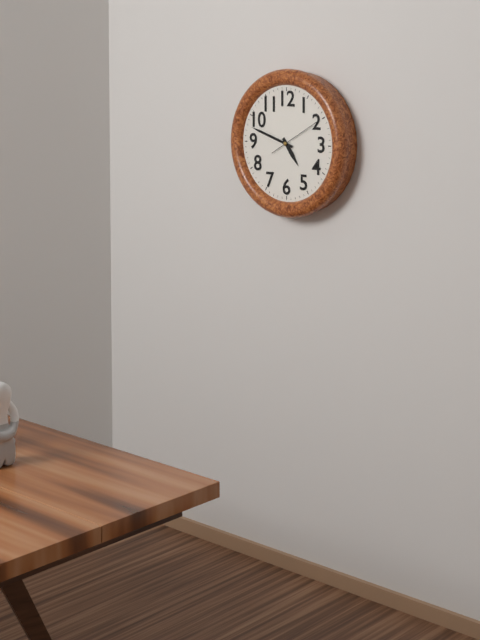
4:48:10
